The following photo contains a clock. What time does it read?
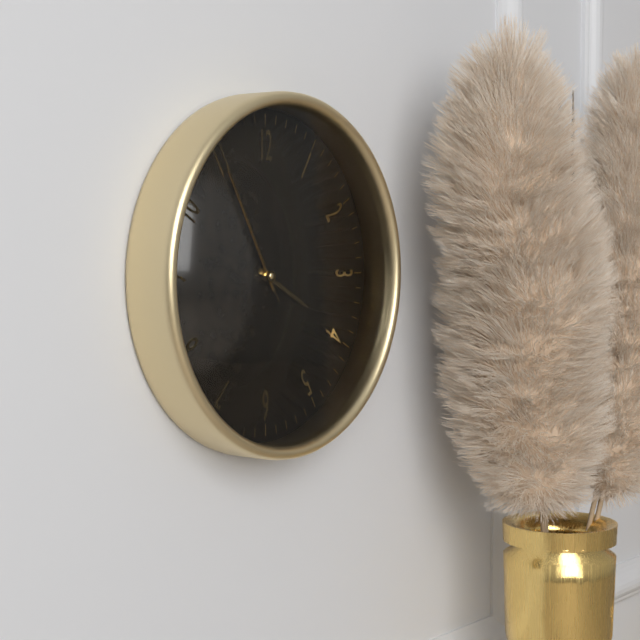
3:55:55
